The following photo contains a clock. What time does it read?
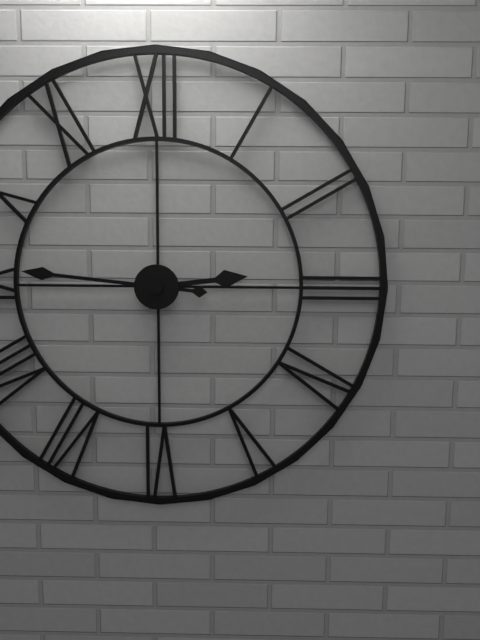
2:46
